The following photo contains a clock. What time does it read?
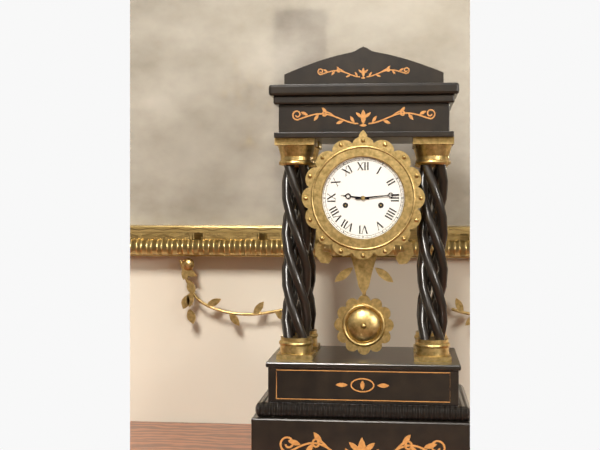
9:14
